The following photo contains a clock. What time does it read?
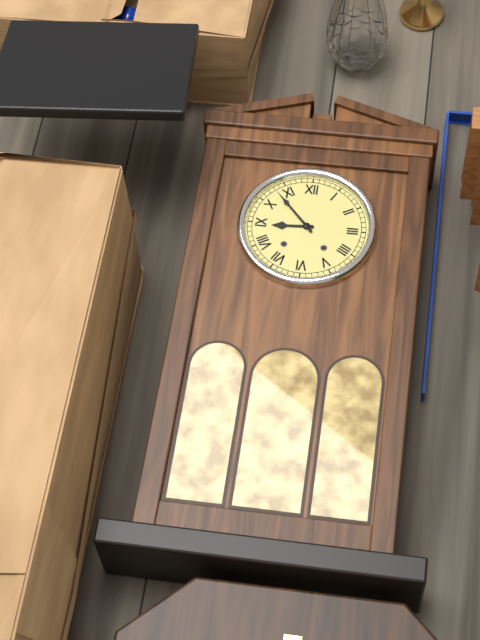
8:53
